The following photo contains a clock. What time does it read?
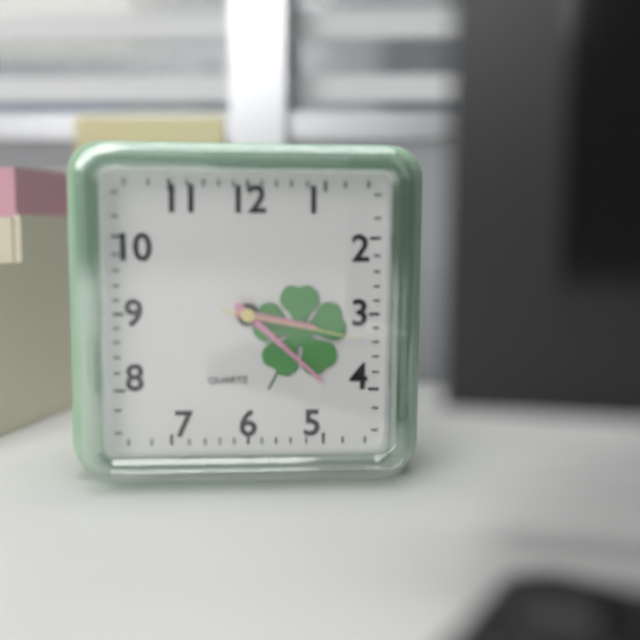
3:22:17
